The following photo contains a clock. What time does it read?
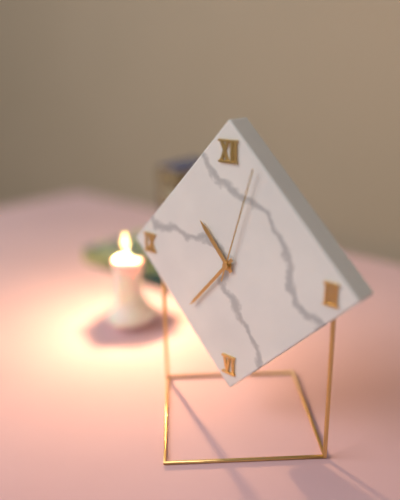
10:37:03
